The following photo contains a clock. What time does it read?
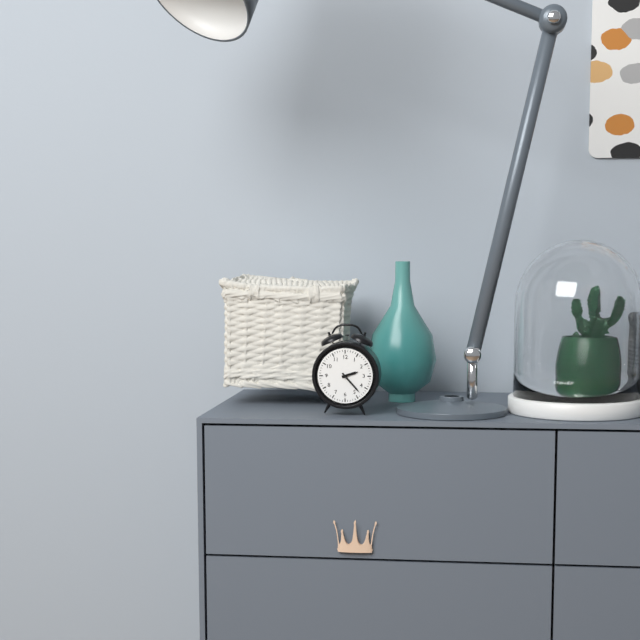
2:23
